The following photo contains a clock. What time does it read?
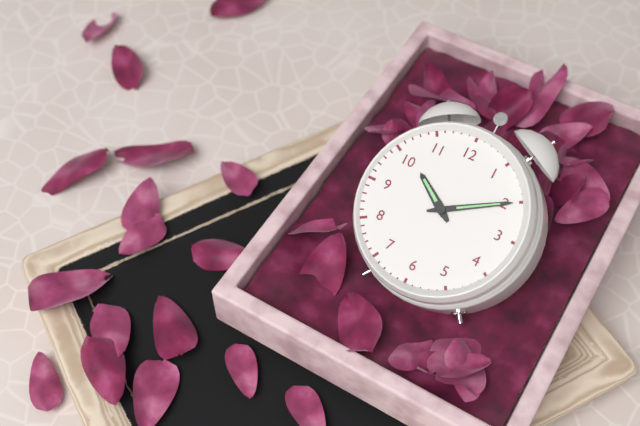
10:10
